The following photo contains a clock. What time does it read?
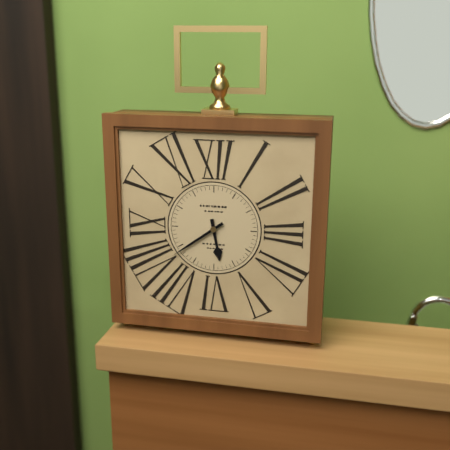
5:39
